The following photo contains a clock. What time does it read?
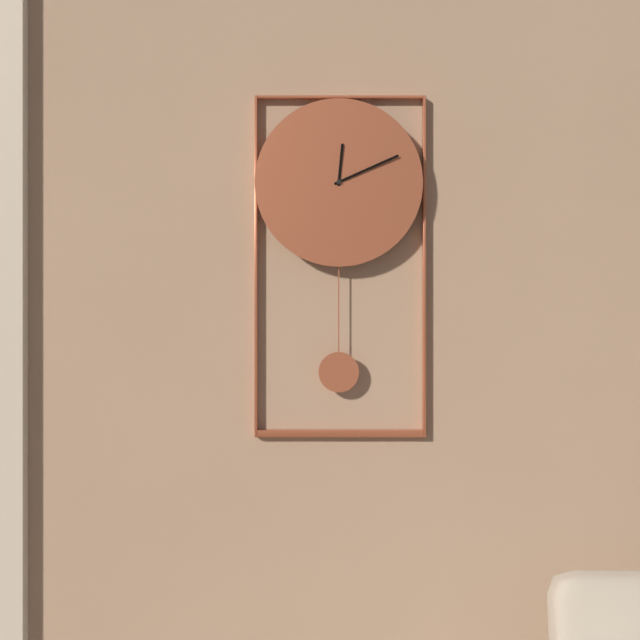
12:11
